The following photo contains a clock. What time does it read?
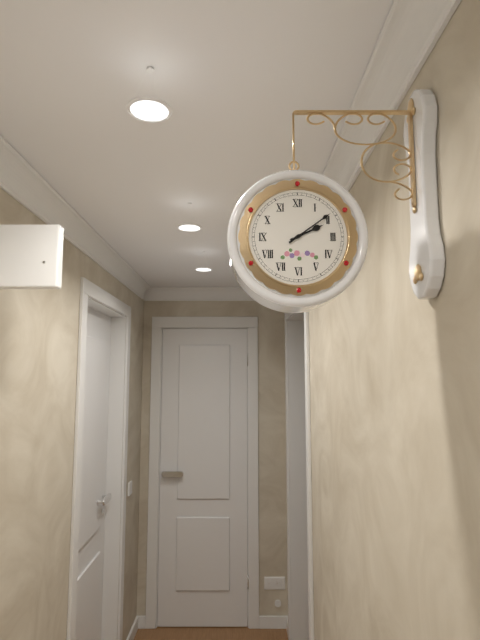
2:09
